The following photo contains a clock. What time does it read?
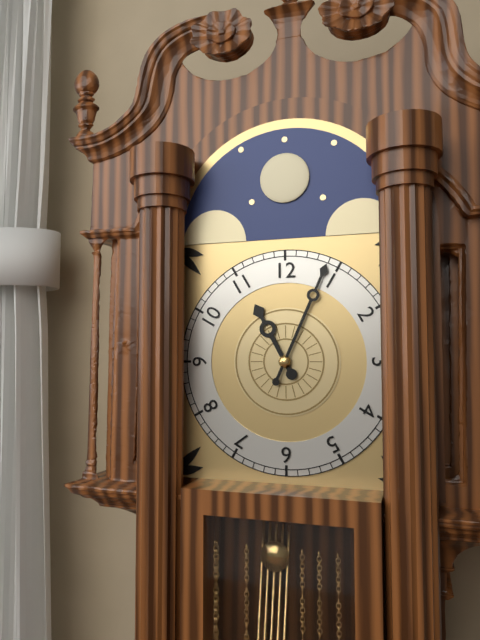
11:04
